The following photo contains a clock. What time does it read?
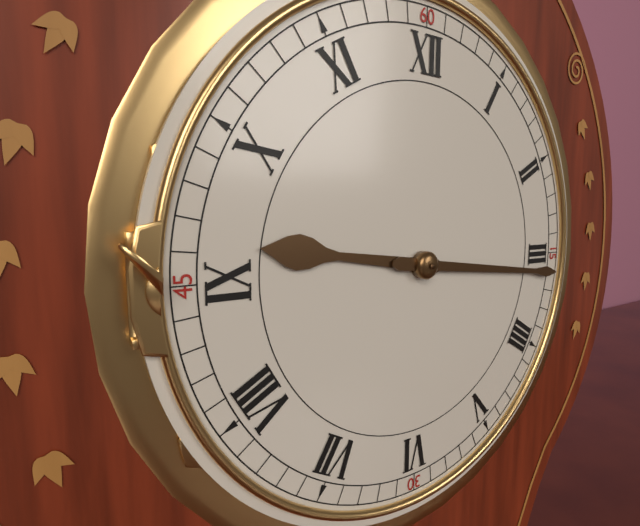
9:16
